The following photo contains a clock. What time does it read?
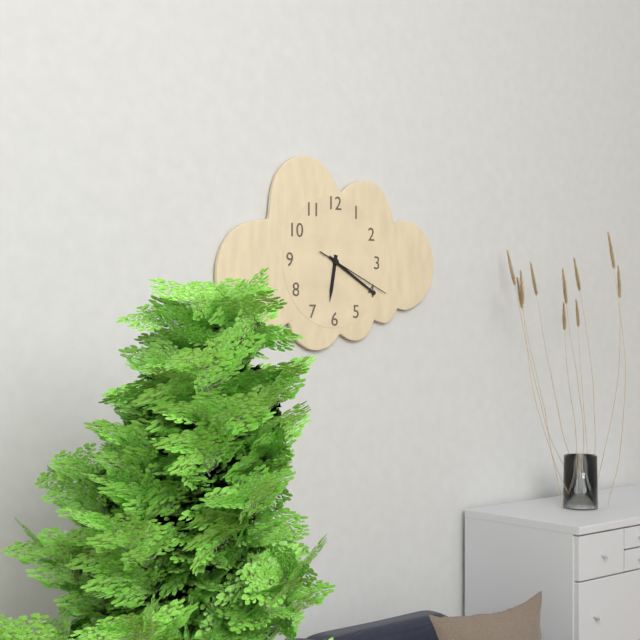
6:20:19
